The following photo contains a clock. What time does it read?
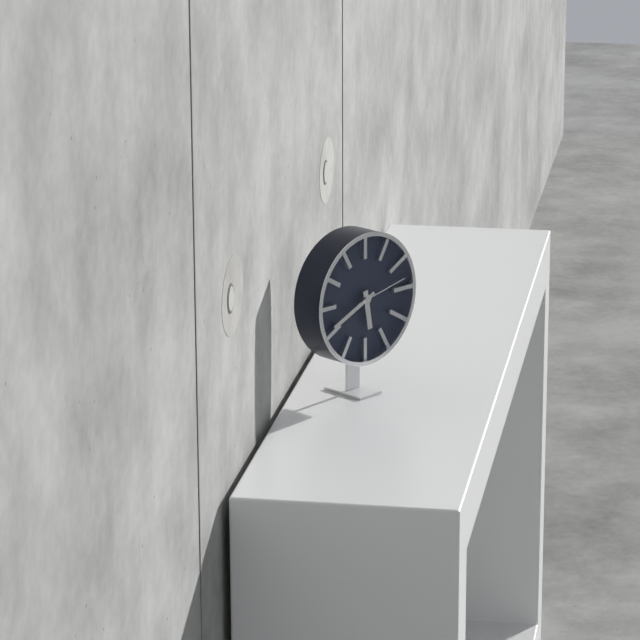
5:41:13
